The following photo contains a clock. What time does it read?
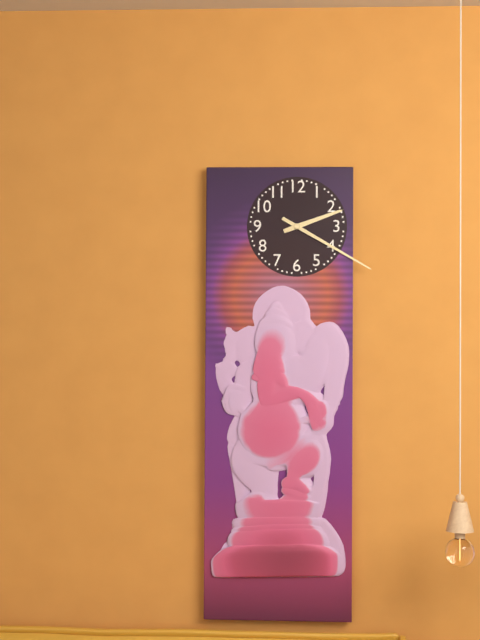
2:20
